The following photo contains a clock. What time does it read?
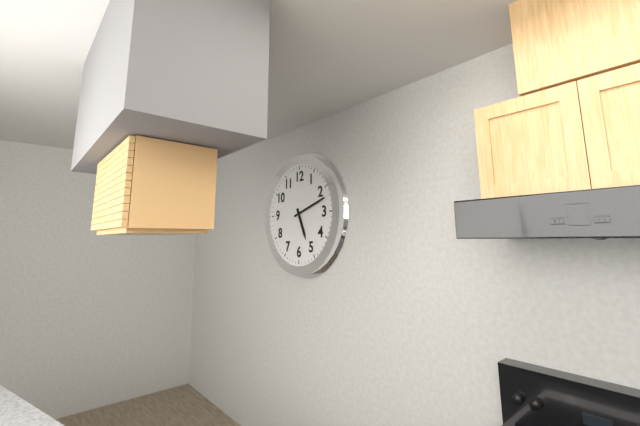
5:12
